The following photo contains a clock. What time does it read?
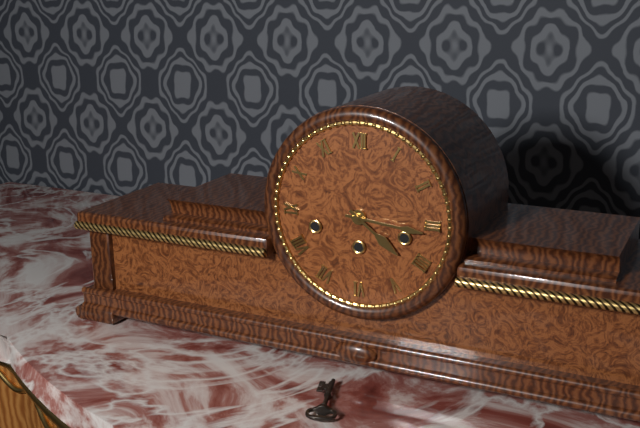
4:16
